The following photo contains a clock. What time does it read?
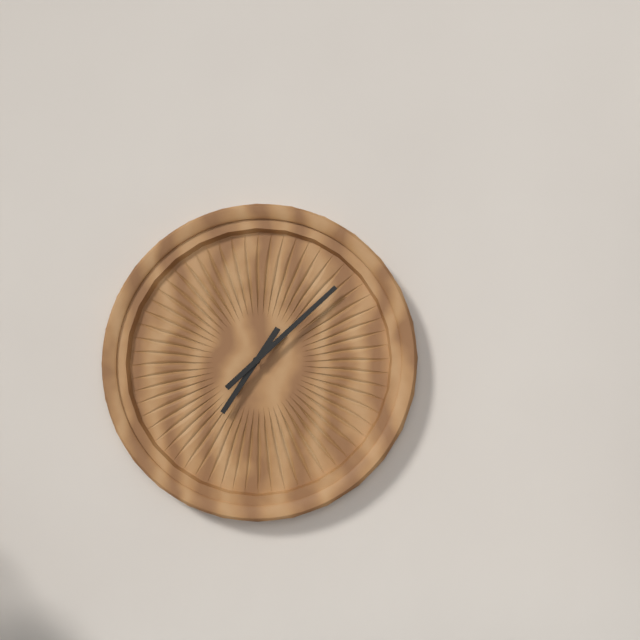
7:08
